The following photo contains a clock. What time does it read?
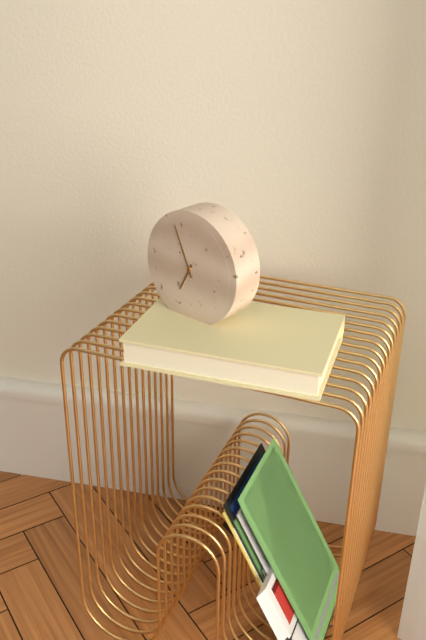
6:56
